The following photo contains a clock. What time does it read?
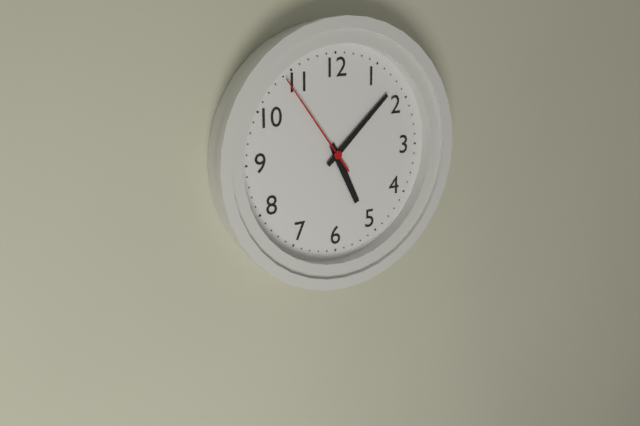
5:08:54
